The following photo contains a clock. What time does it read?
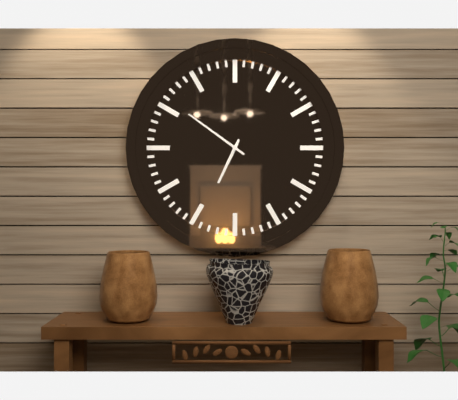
6:51
